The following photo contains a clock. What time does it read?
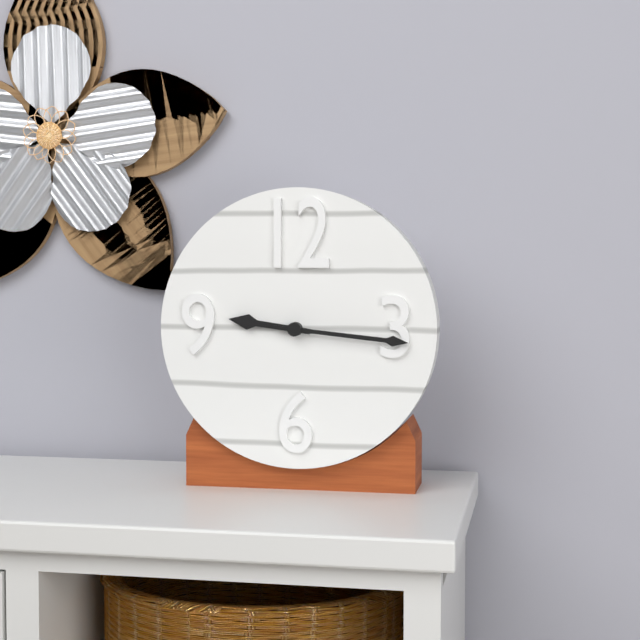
9:16
